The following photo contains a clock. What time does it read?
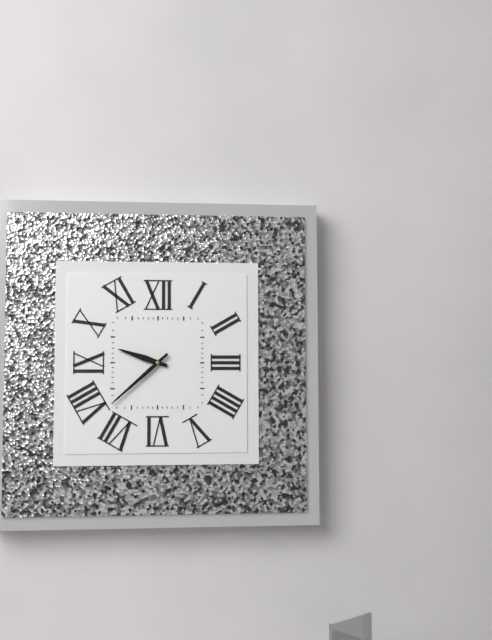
9:38
